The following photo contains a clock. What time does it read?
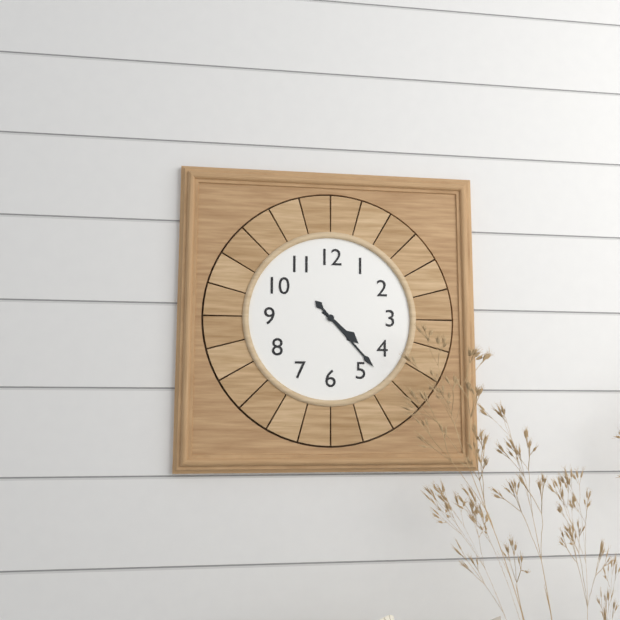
4:23
